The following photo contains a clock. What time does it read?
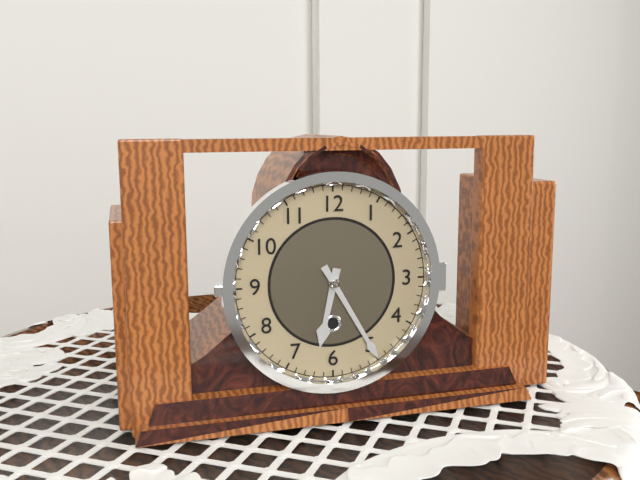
6:25
